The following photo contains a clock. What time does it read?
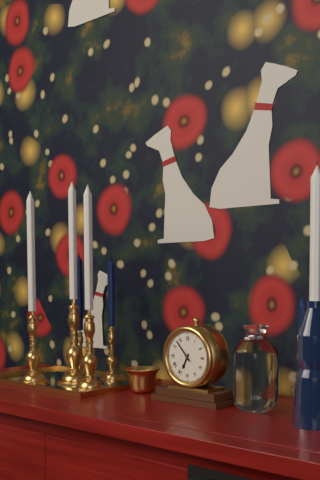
6:53
